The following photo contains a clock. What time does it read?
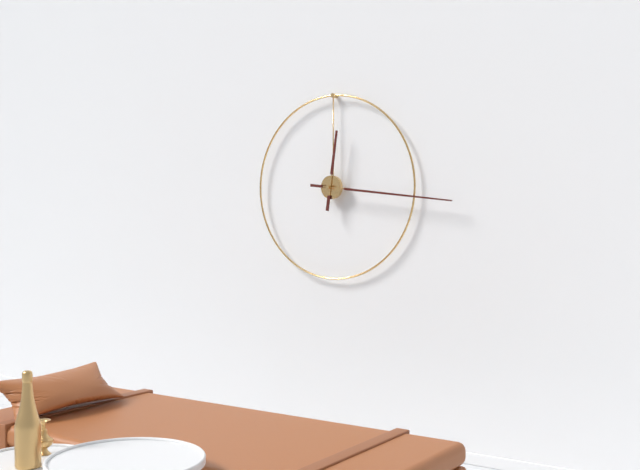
12:16
